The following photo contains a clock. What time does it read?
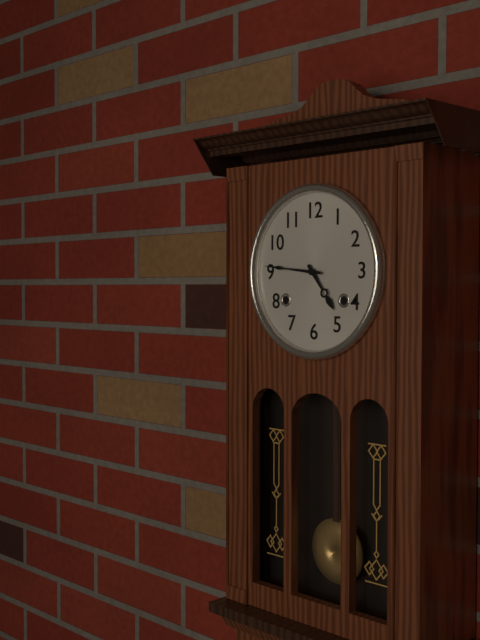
4:46
